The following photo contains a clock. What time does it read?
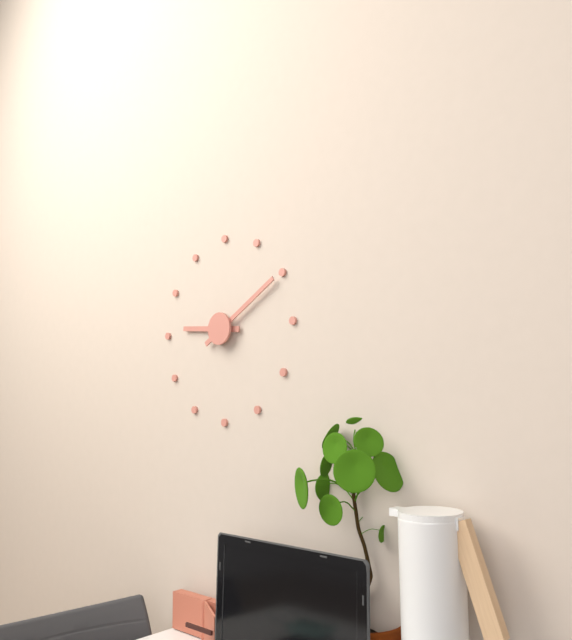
9:10
